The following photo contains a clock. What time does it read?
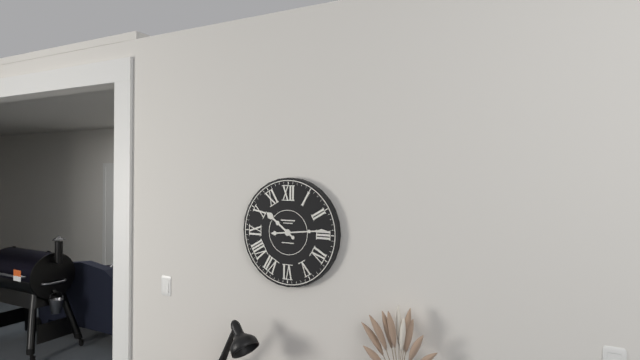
10:14
